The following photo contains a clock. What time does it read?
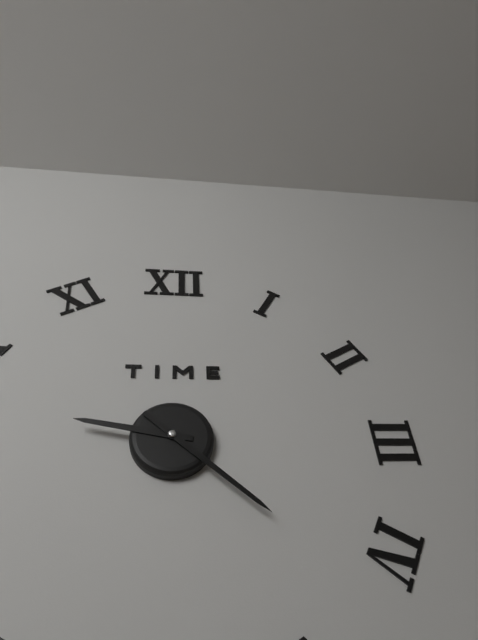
9:22
